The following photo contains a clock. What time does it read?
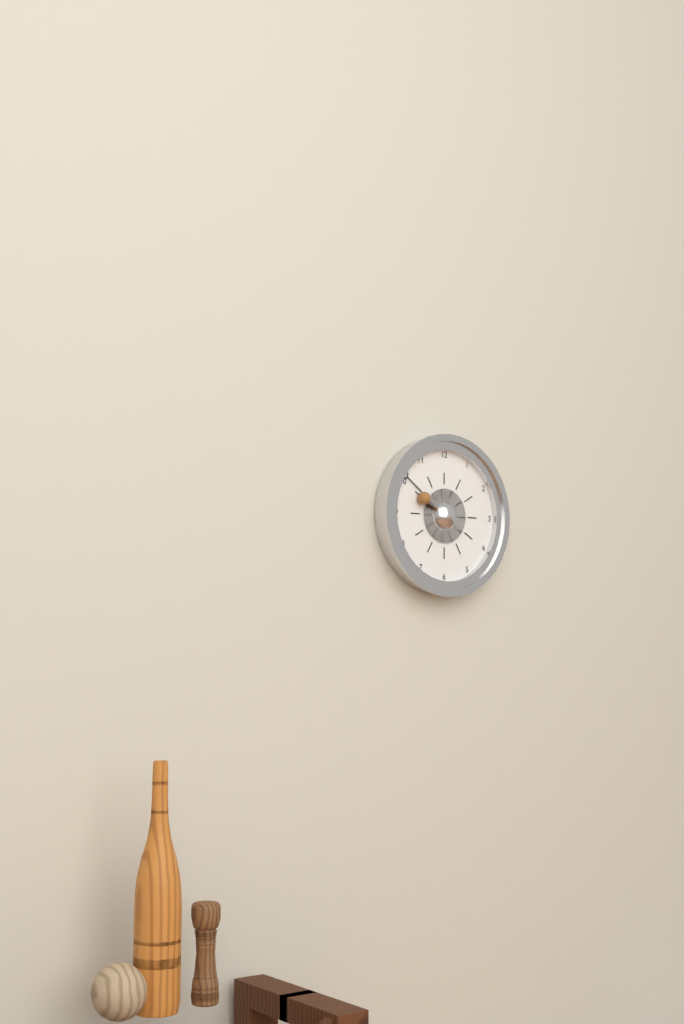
9:51
